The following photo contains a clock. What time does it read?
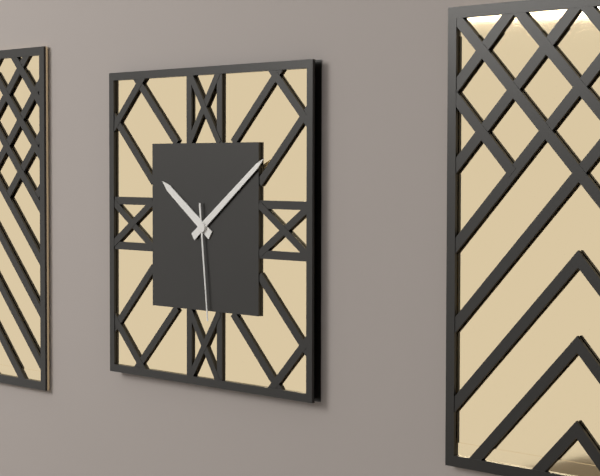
10:09:29
